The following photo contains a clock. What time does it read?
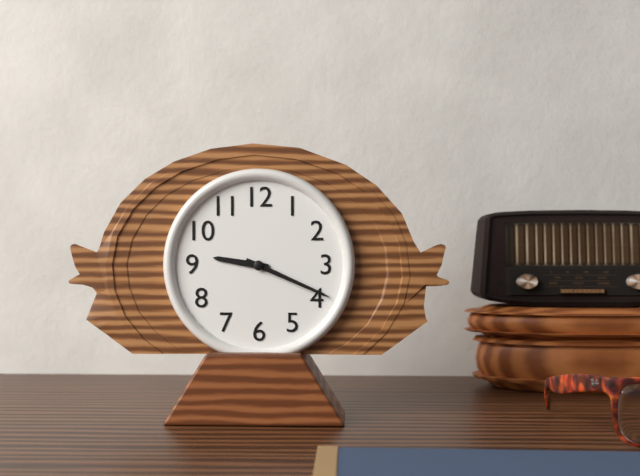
9:19
